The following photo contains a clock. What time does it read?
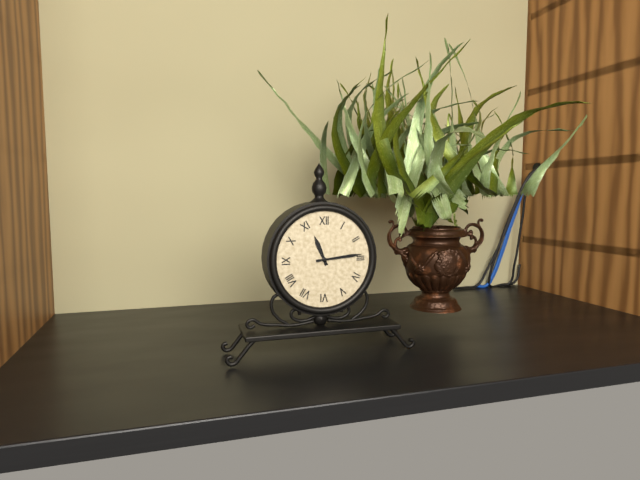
11:14
